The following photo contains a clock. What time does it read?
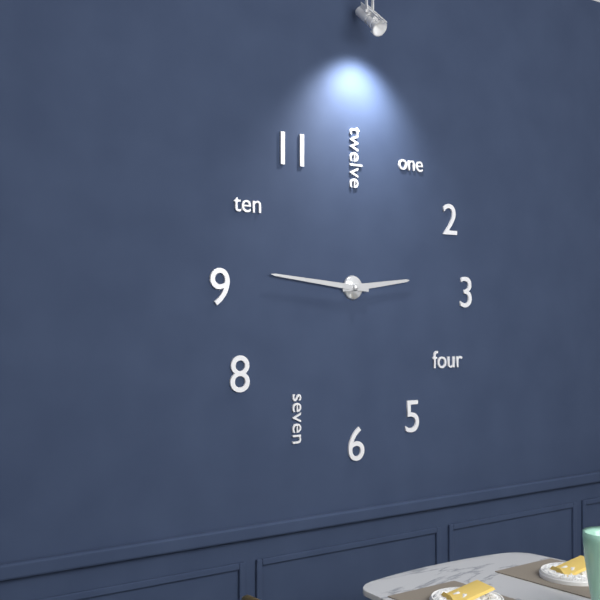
2:46
